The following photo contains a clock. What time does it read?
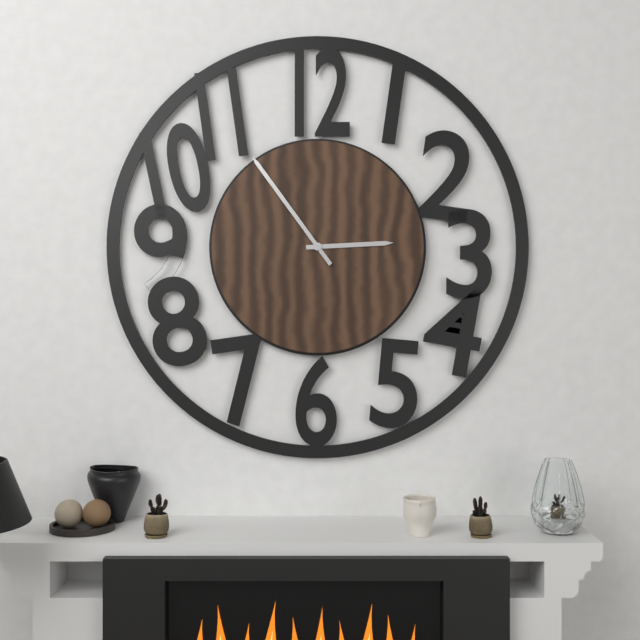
2:54
